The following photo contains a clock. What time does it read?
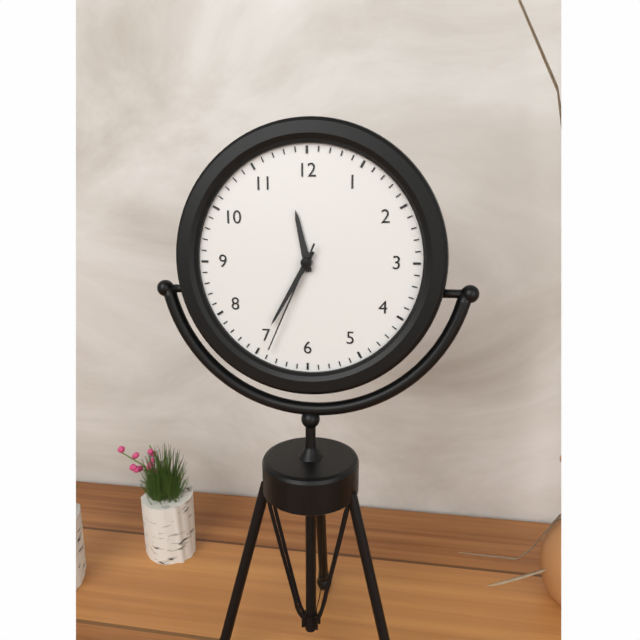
11:35:34
